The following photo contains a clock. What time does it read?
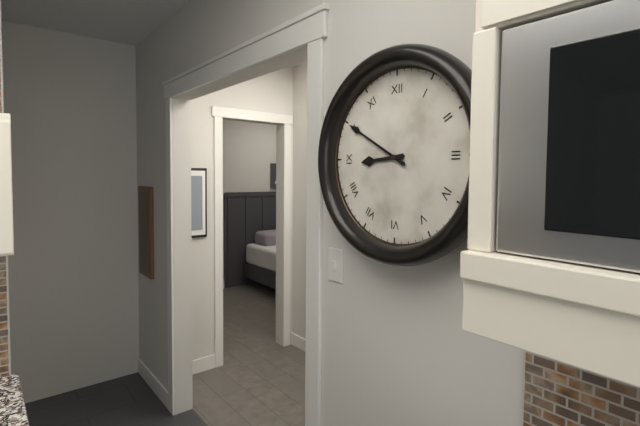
8:50
